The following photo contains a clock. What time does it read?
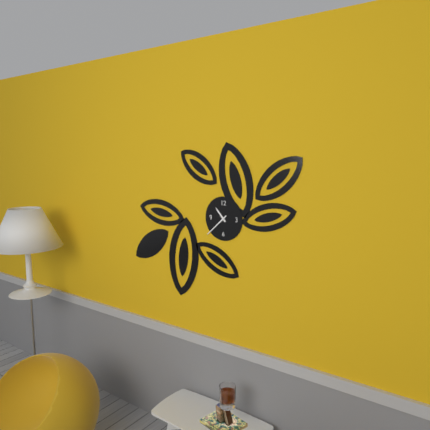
10:38
